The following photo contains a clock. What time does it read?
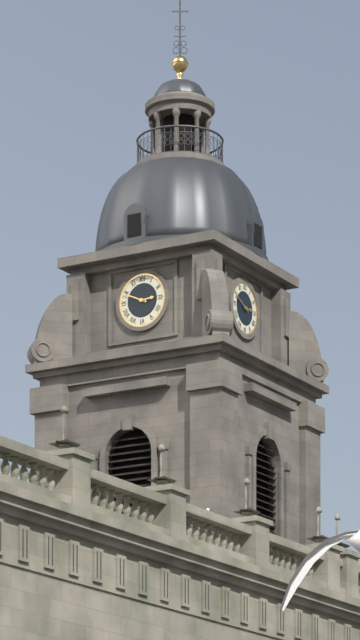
2:49
